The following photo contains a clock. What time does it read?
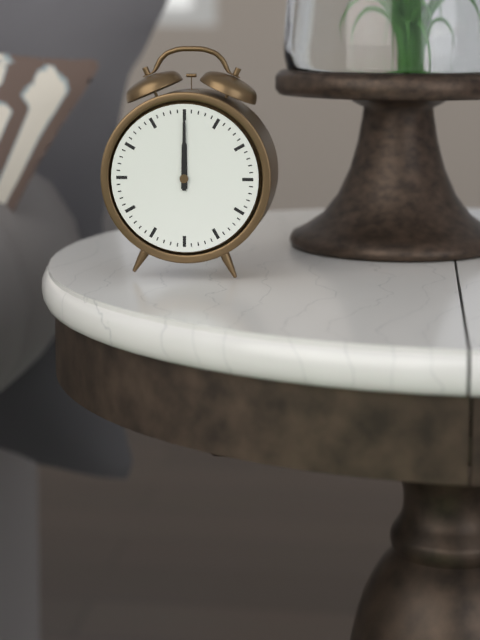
12:00
